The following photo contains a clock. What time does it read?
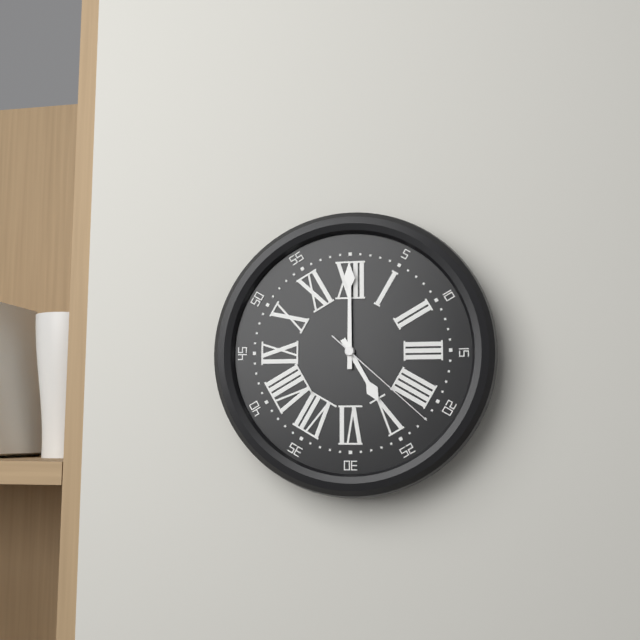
5:00:22
